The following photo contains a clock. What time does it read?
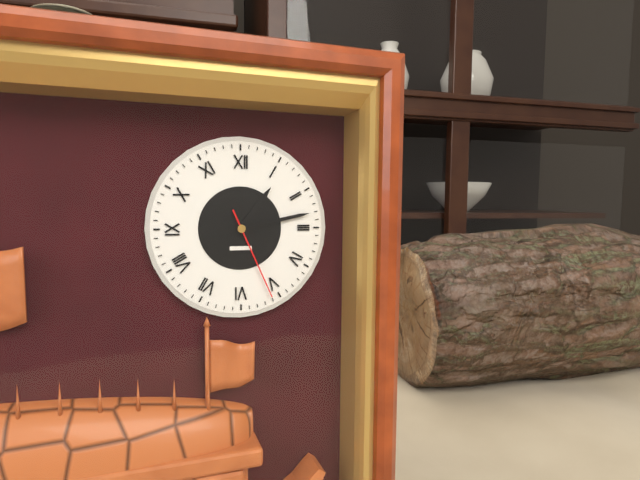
1:13:26
